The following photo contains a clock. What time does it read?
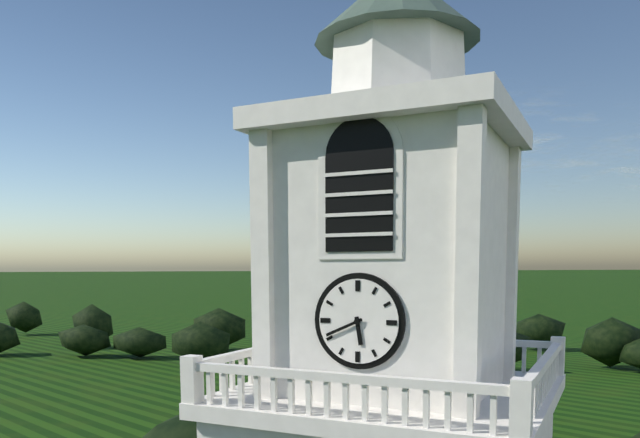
5:41
